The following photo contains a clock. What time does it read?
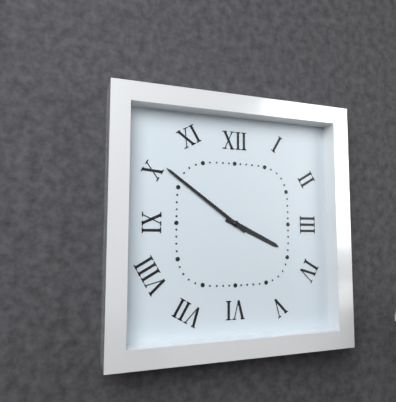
3:51
